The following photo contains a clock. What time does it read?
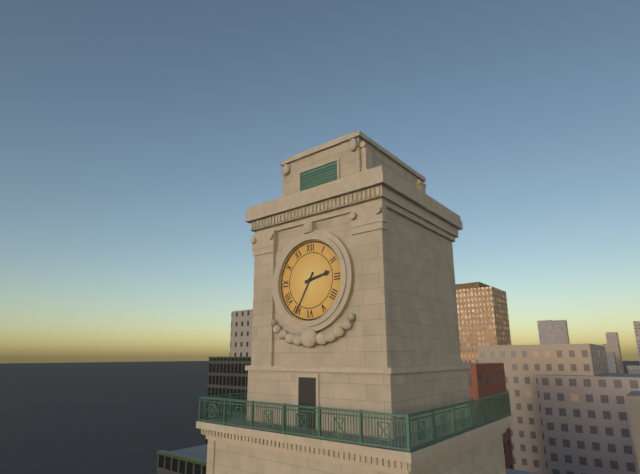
2:35
